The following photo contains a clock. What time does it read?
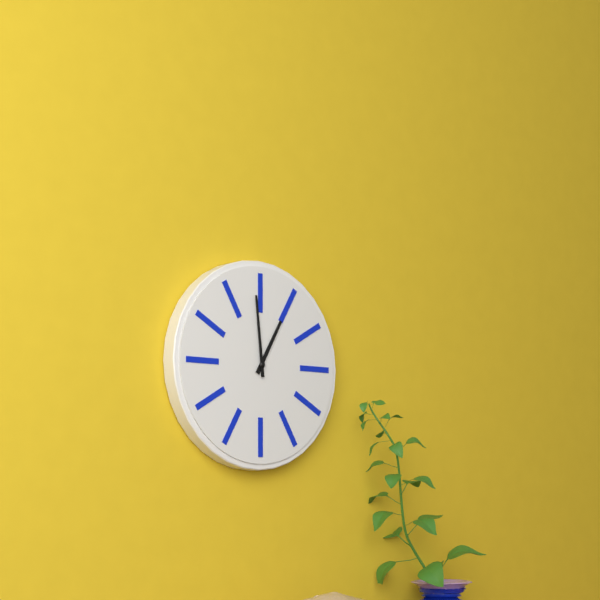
12:59
